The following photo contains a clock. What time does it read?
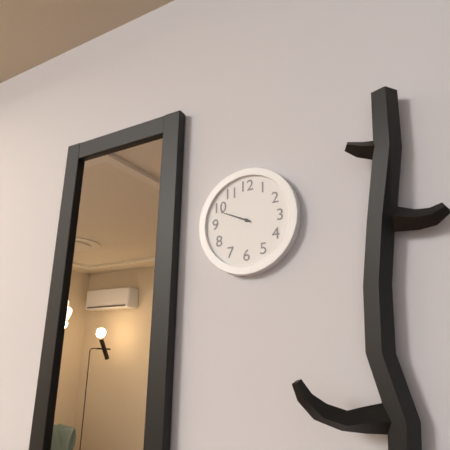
9:49
